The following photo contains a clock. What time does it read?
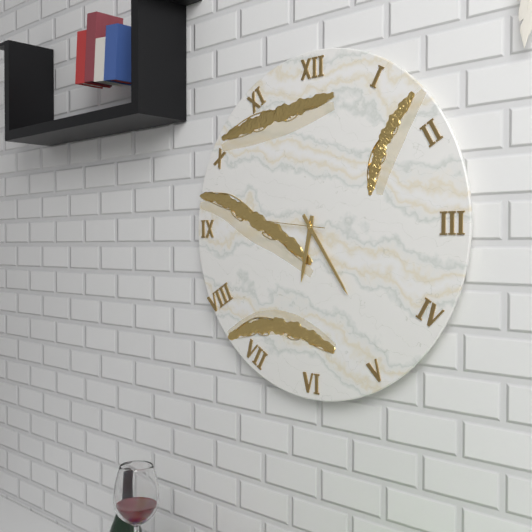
6:24:46
